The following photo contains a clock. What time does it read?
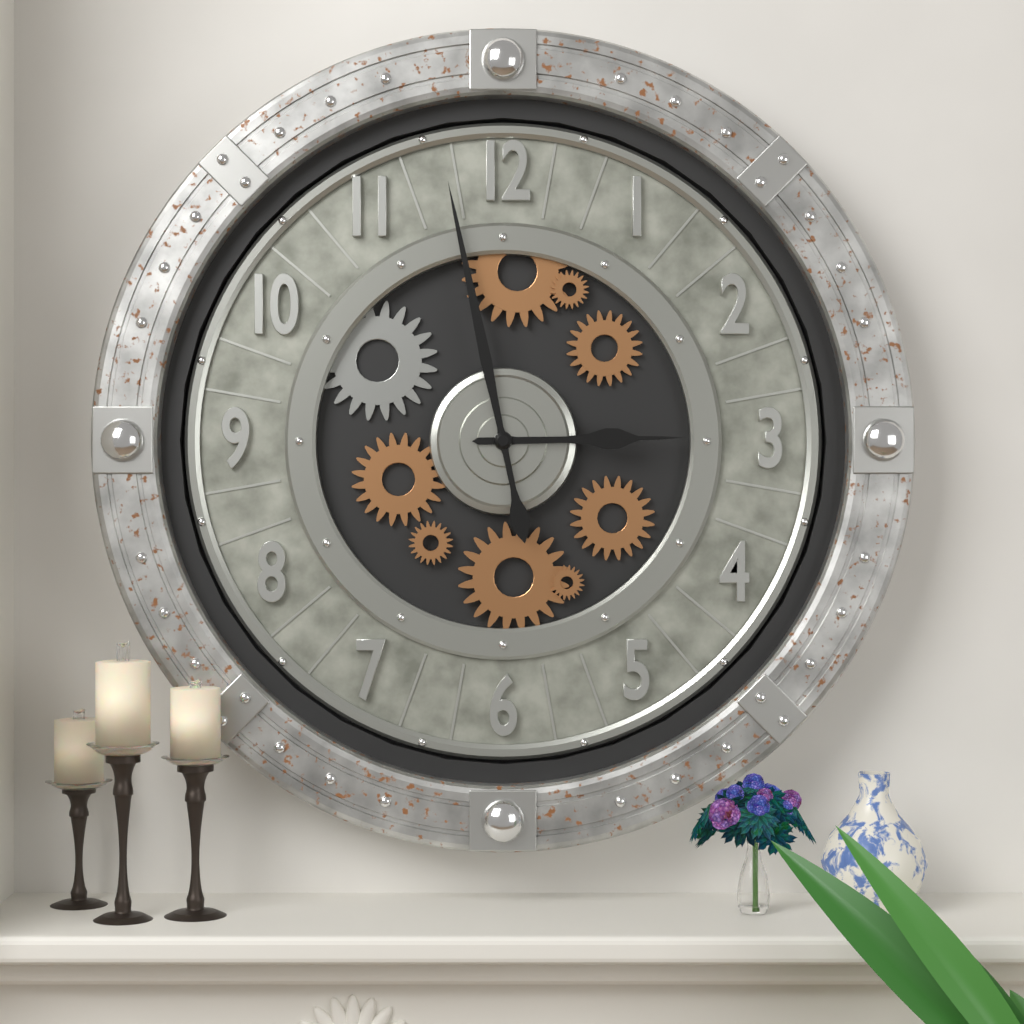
2:58
